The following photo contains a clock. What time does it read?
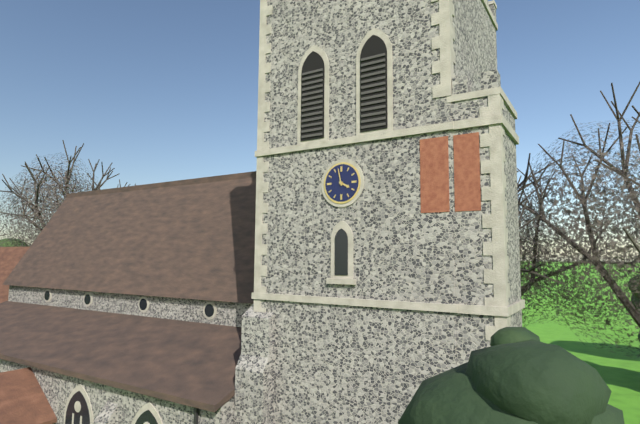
3:58
